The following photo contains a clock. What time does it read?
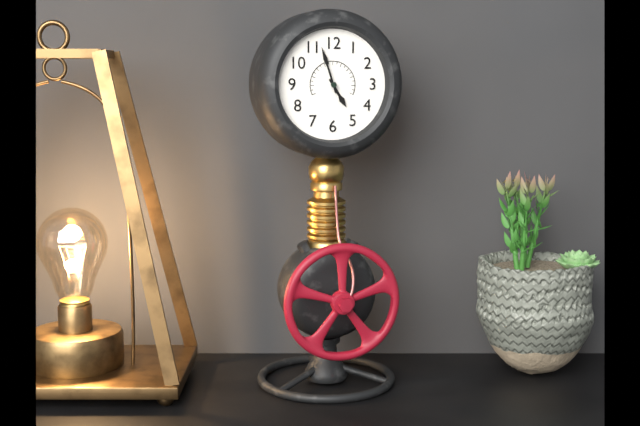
4:57
